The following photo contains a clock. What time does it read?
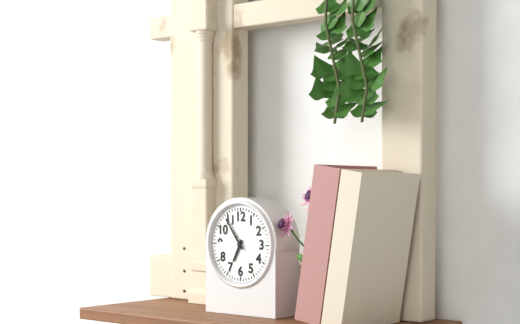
6:54
